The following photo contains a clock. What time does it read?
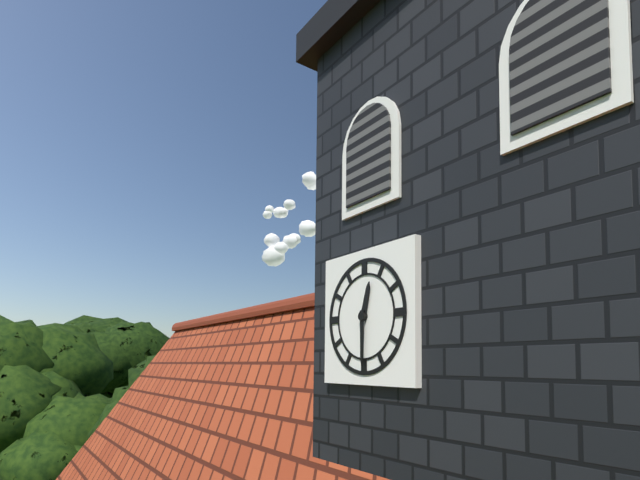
12:30
